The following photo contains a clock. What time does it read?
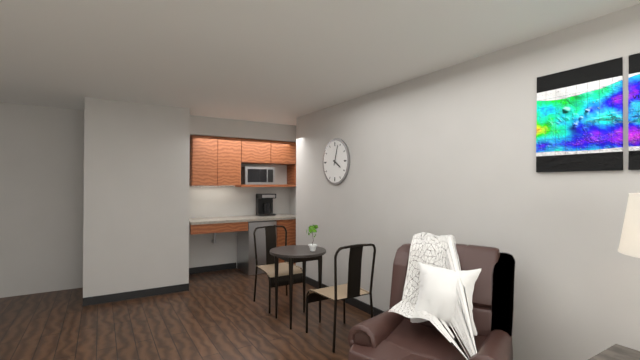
4:03
